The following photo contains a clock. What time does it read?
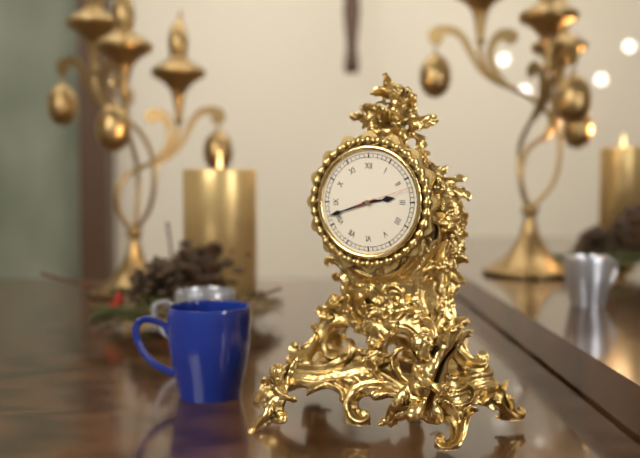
2:42:12
